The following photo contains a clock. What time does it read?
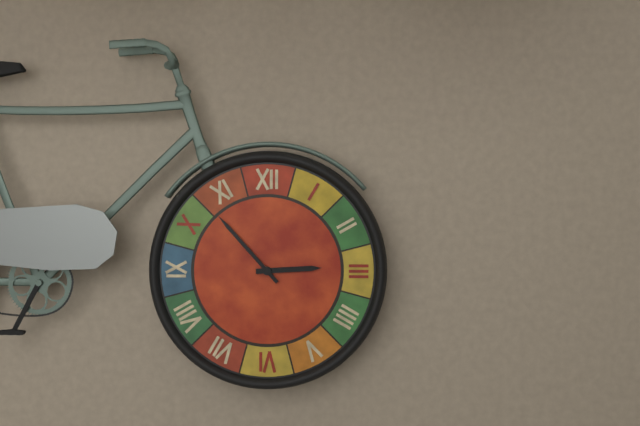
2:53
